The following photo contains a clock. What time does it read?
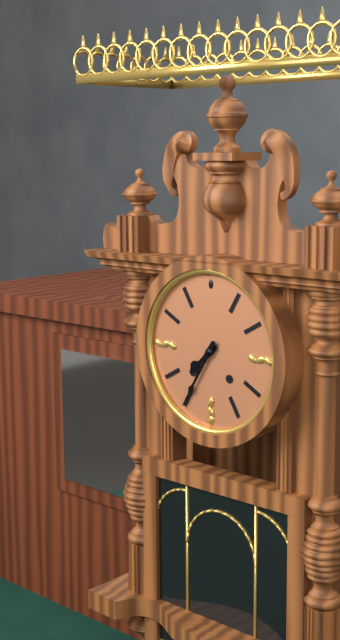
7:35
